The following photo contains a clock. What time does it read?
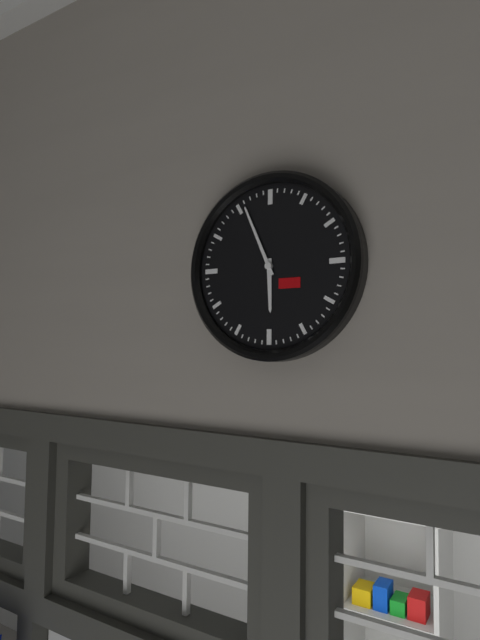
5:56
